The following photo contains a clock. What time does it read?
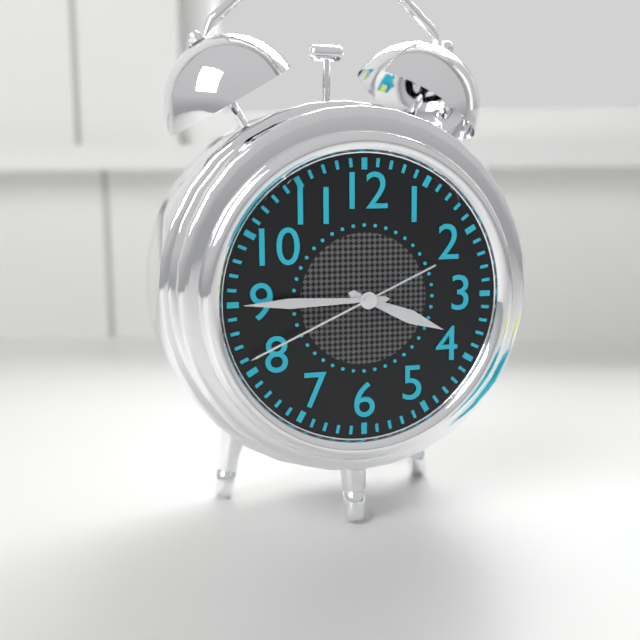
3:45:41
